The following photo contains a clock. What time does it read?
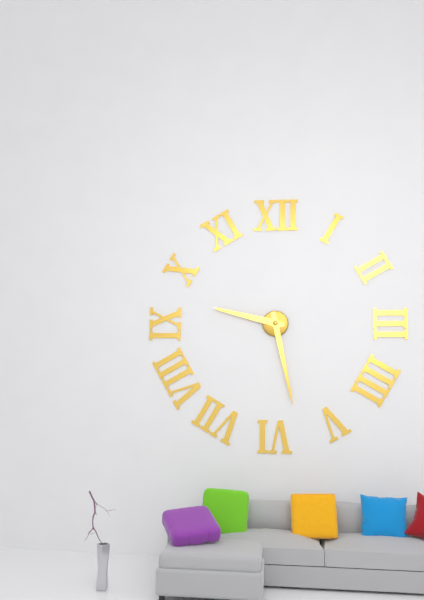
9:28
